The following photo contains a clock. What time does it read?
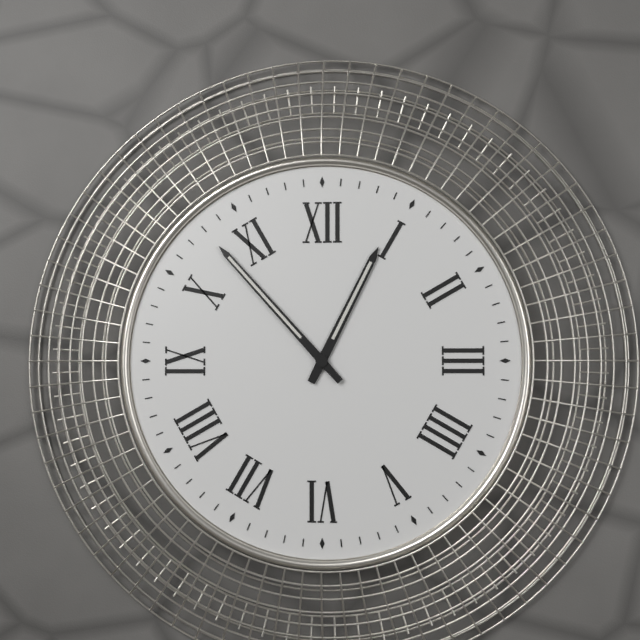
12:53
